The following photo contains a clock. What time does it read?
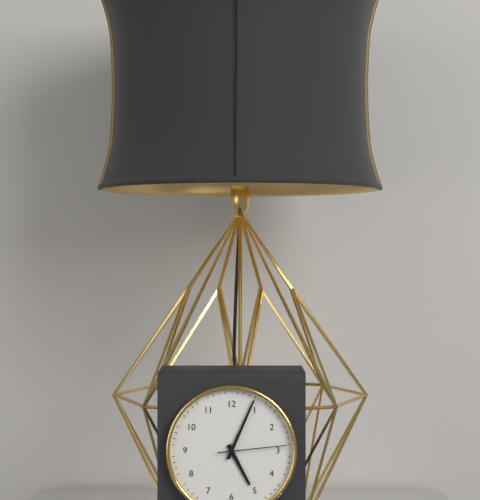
5:04:14
